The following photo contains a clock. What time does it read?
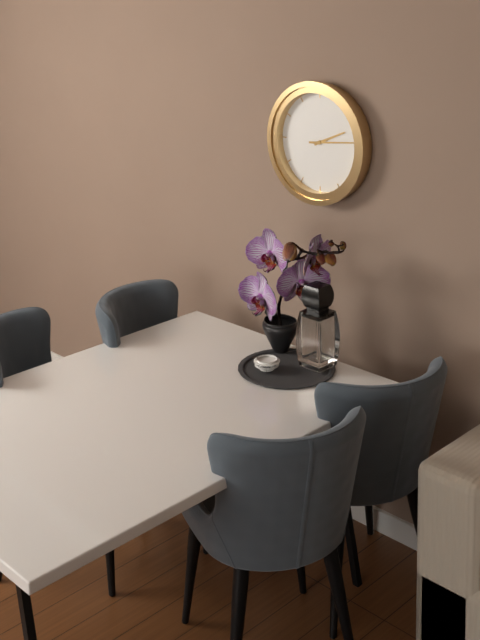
2:14
